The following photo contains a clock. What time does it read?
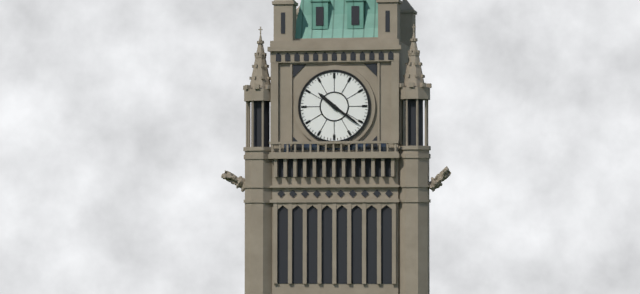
10:21
